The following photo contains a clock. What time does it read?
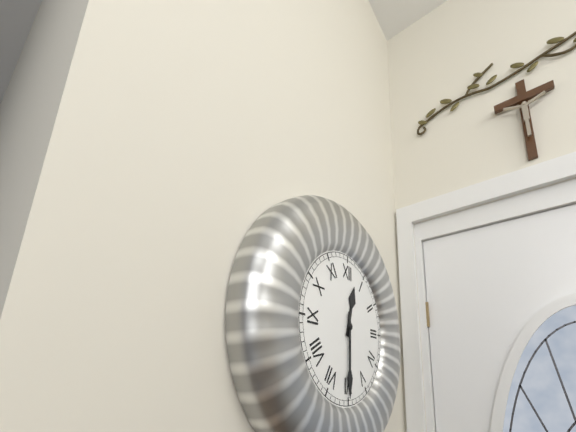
12:30
